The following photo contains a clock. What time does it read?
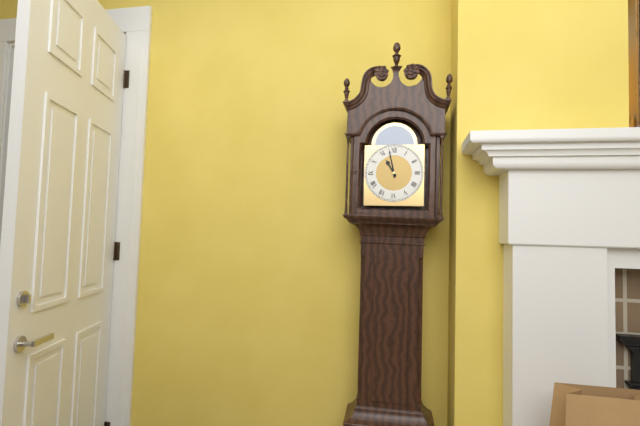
10:58
